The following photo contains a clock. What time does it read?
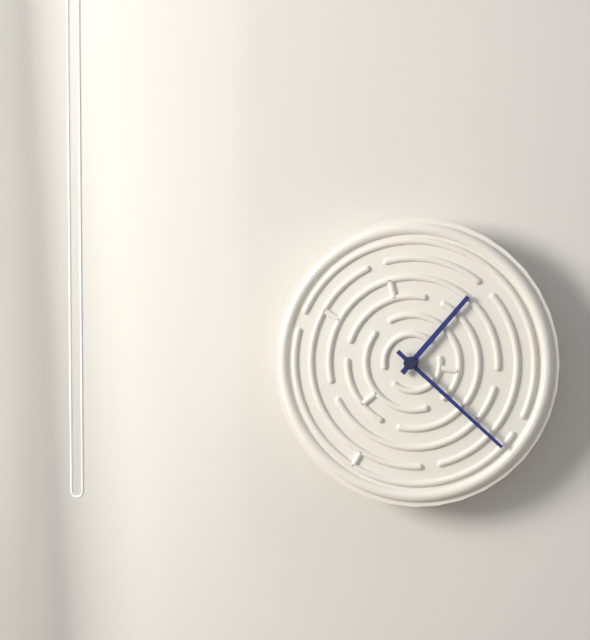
1:22
